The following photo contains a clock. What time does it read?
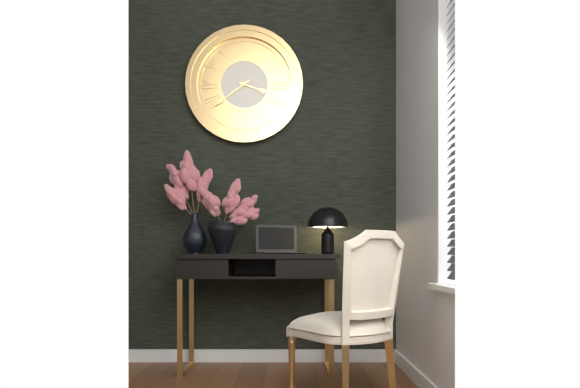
3:39
